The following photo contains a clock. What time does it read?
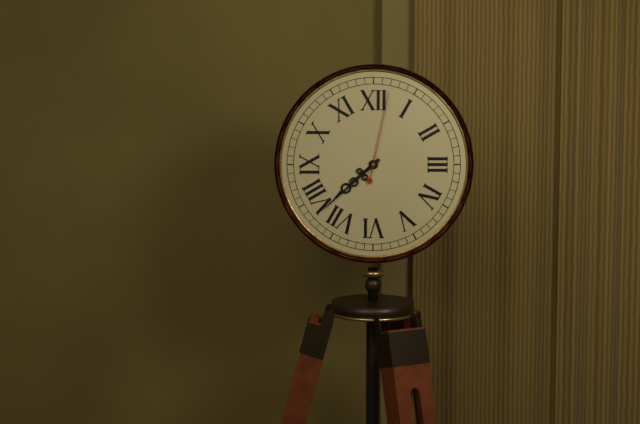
7:38:02
